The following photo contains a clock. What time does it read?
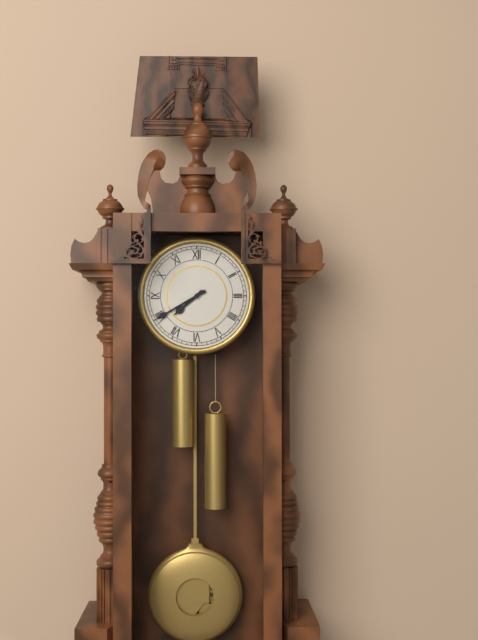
7:40
